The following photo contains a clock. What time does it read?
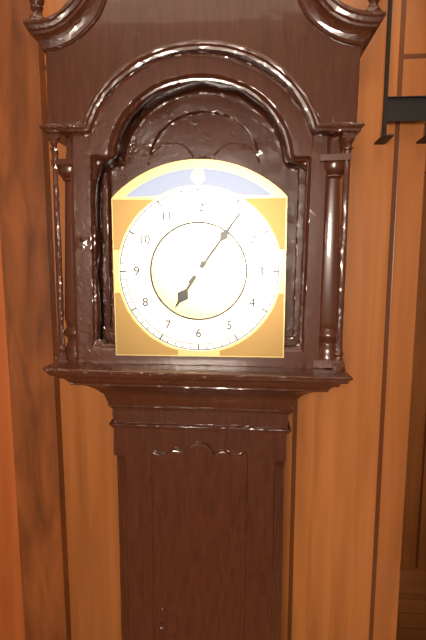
7:06
